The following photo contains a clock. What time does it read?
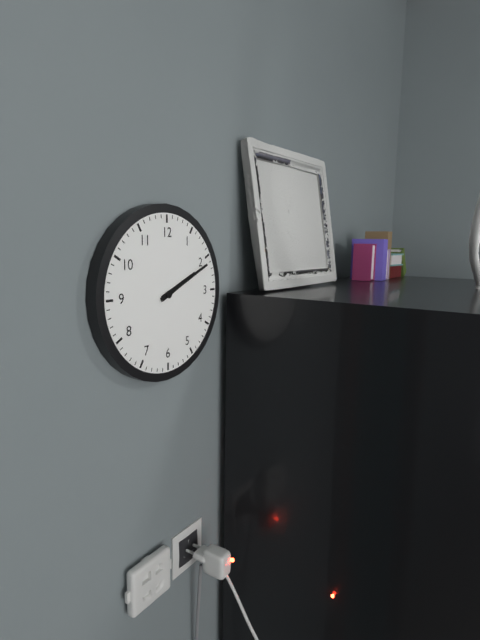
2:11
